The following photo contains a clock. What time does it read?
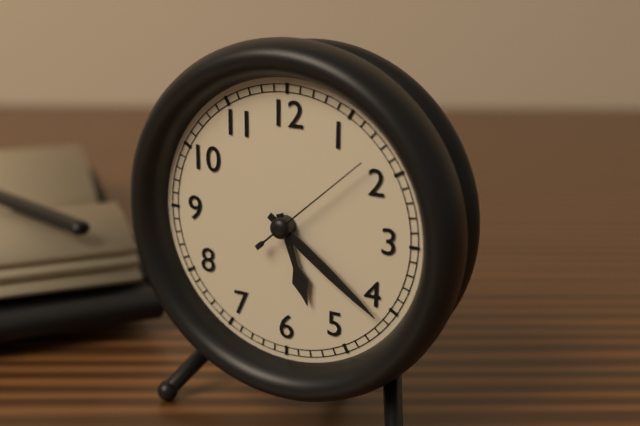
5:21:08
